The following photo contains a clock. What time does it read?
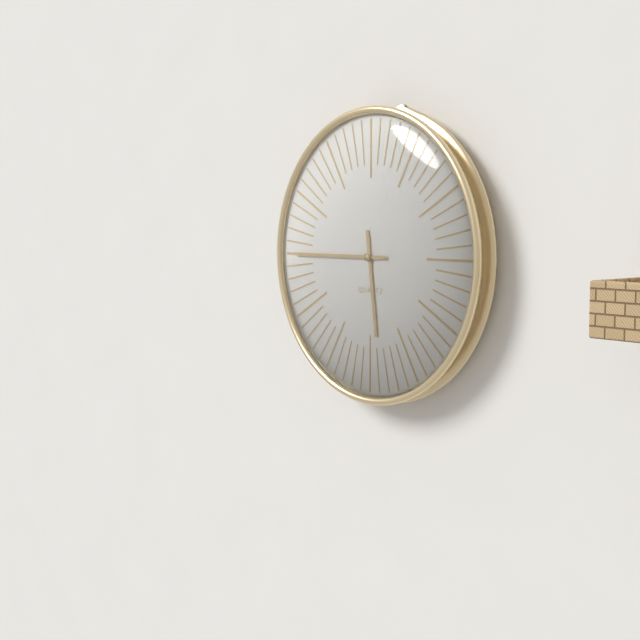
5:45
